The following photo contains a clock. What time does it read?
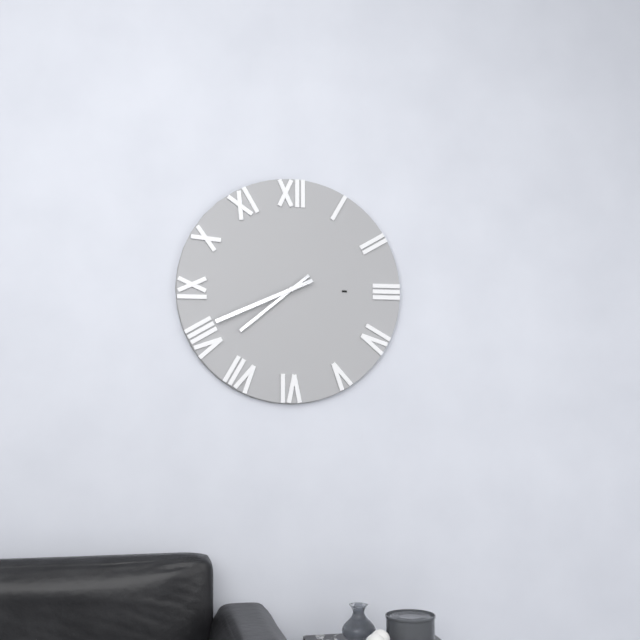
7:41
